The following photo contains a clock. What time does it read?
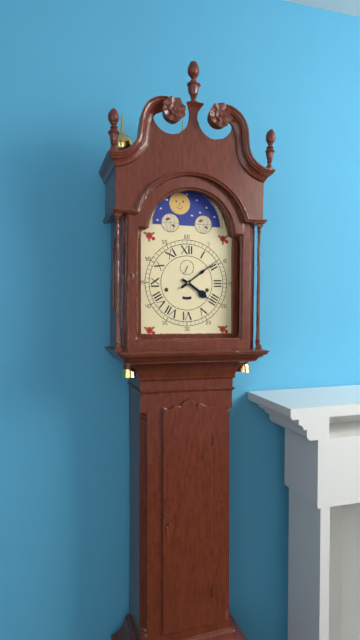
4:09
